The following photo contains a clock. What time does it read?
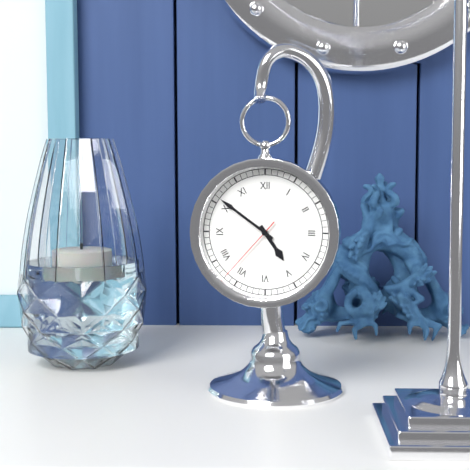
4:51:37
